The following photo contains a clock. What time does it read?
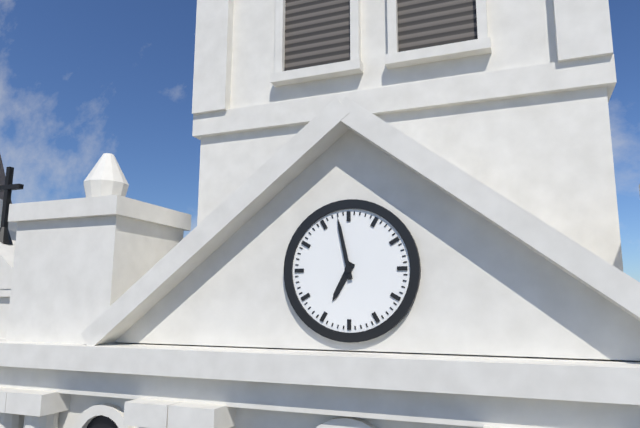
6:58
